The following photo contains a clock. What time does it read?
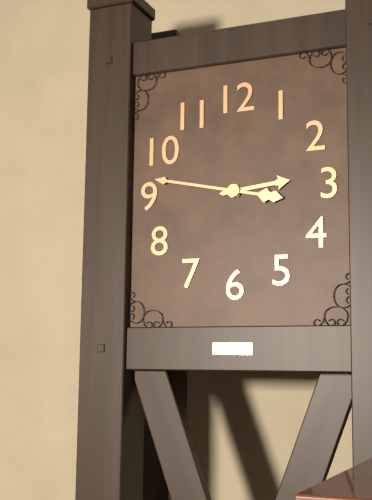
2:47
